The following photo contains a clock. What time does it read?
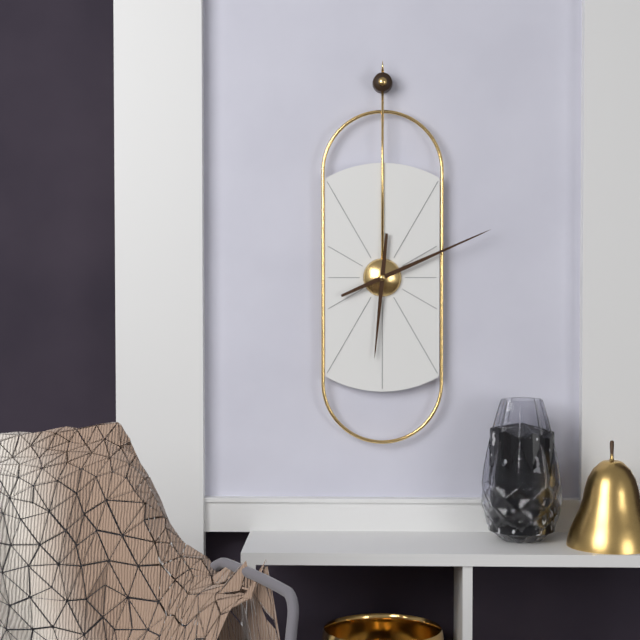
6:11
